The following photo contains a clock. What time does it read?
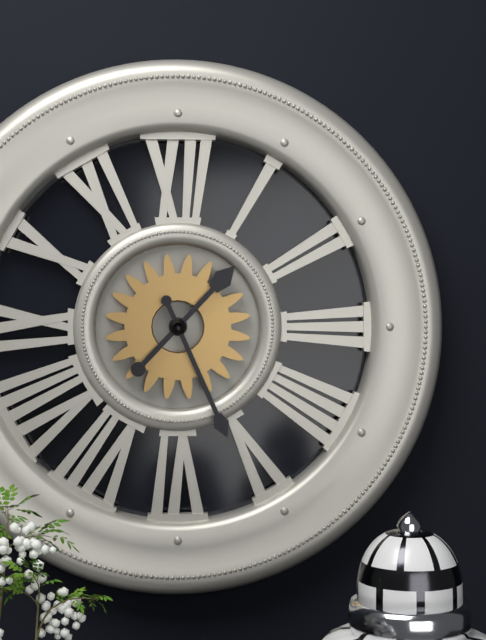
1:26
